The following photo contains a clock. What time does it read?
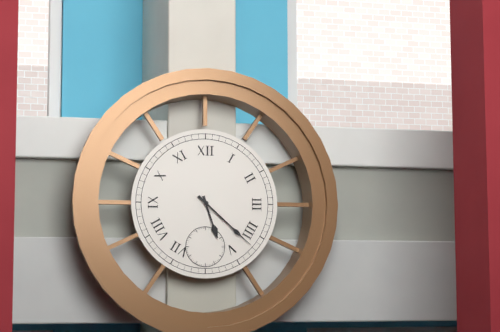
5:22
